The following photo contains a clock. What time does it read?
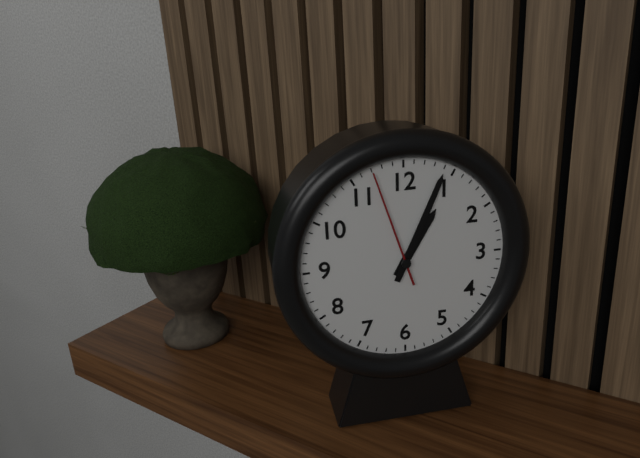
1:04:57
